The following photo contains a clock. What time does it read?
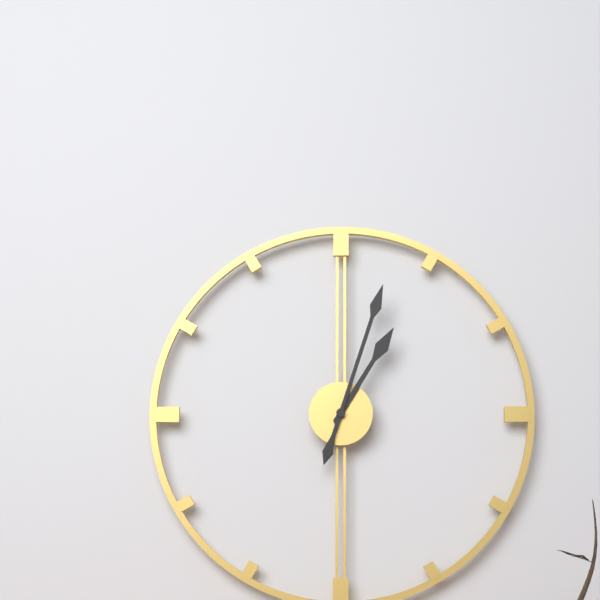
1:03
